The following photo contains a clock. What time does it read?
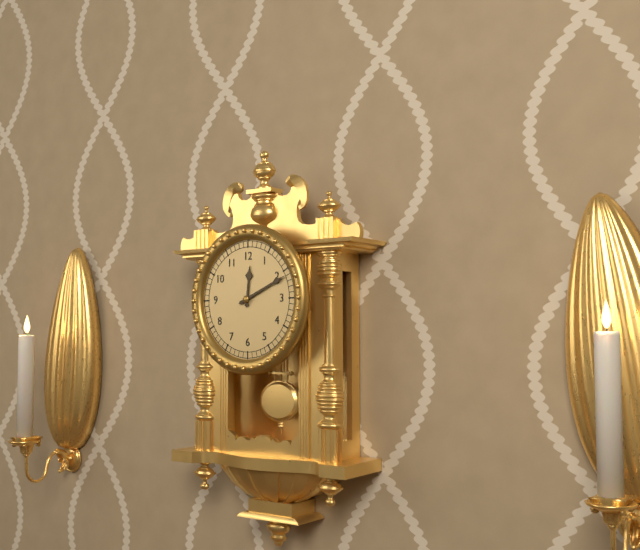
12:11
